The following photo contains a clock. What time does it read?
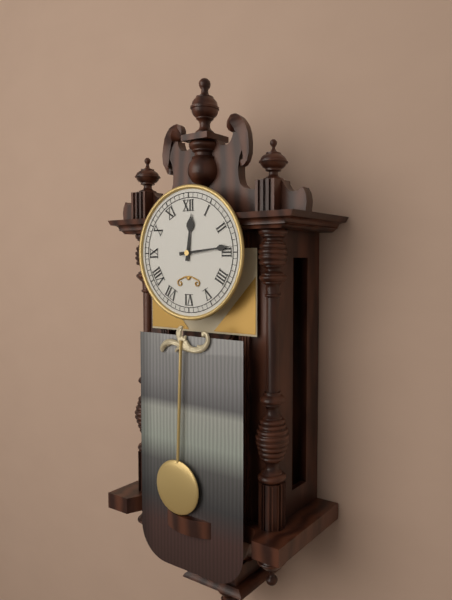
12:14
